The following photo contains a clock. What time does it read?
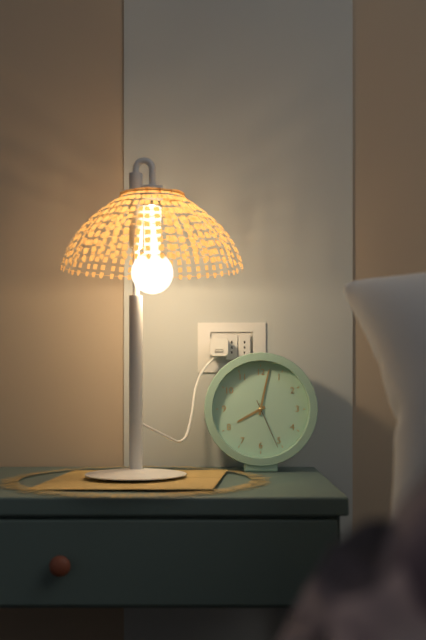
8:02:26
